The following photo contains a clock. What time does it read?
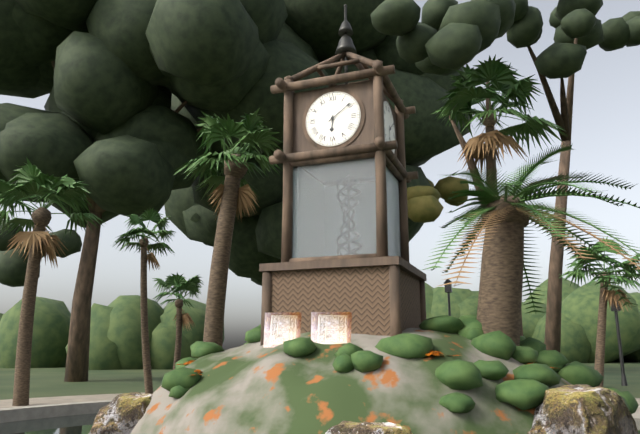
6:09
